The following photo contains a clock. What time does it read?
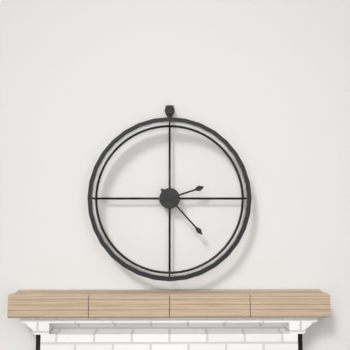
2:23
